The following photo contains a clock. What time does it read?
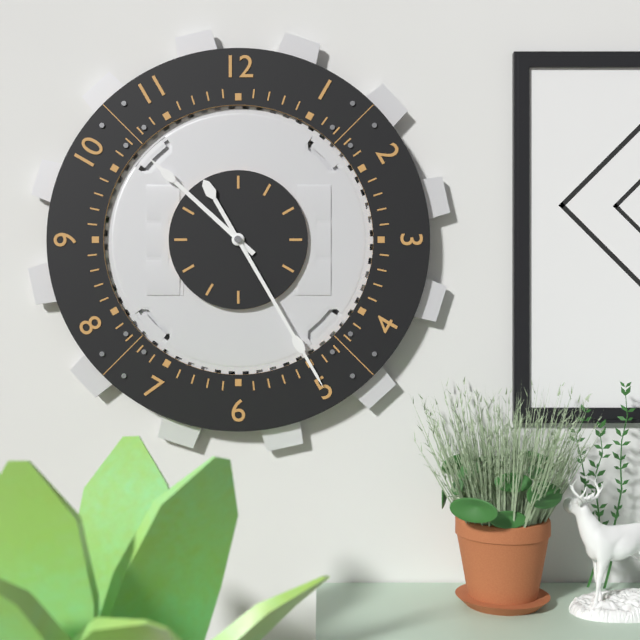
10:25
